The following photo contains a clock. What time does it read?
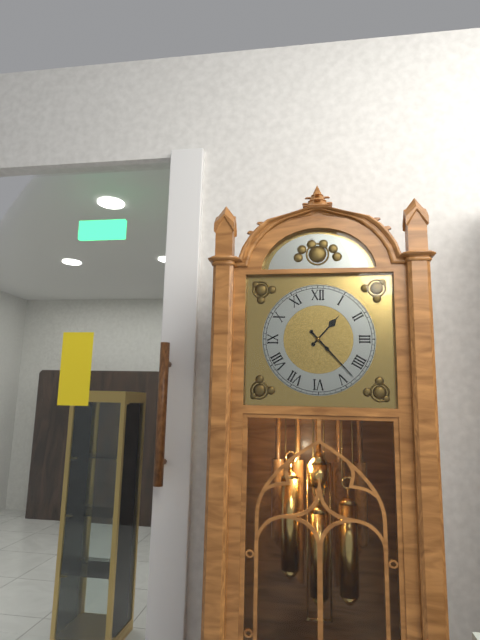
1:23
